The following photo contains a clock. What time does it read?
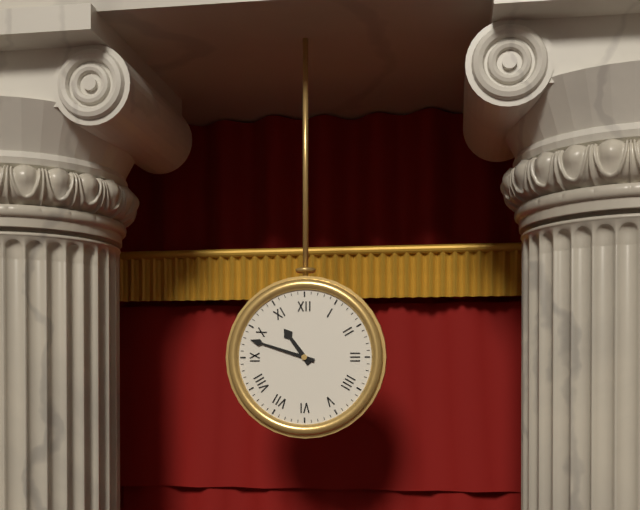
10:48
